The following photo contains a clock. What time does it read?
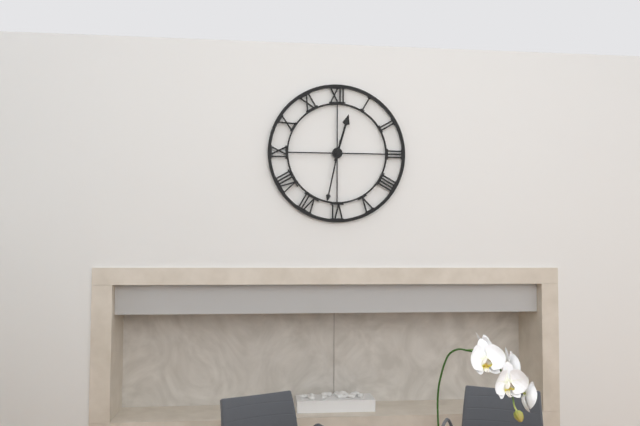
12:32
